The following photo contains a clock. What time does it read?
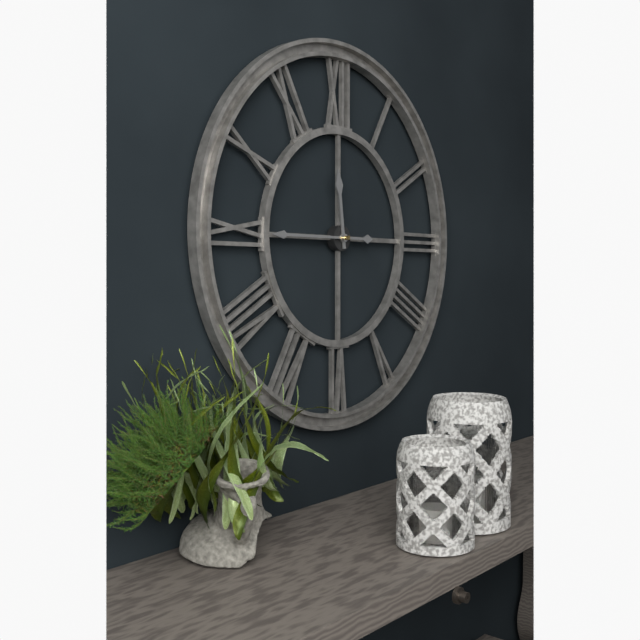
11:45
